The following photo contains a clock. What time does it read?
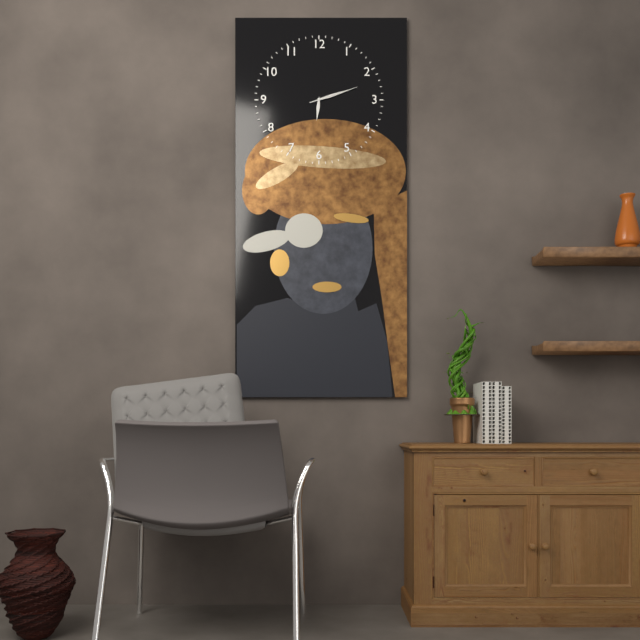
6:12
